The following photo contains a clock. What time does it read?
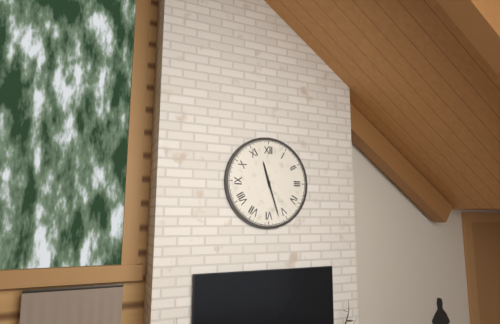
11:27
